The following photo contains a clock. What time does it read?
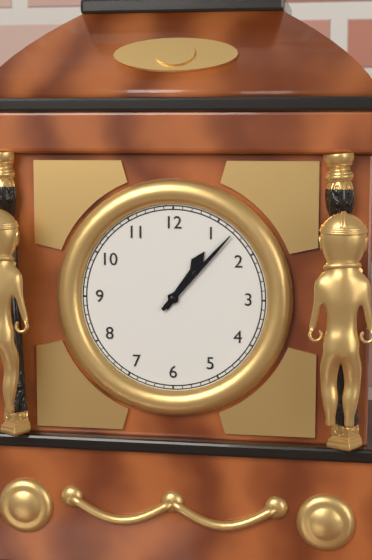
1:07
